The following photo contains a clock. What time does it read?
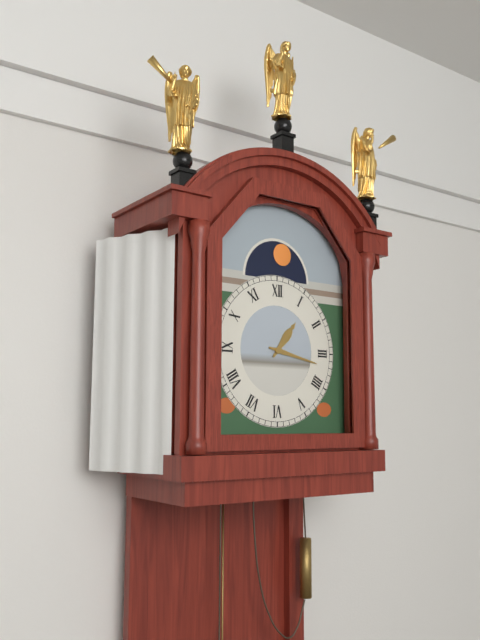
1:17
